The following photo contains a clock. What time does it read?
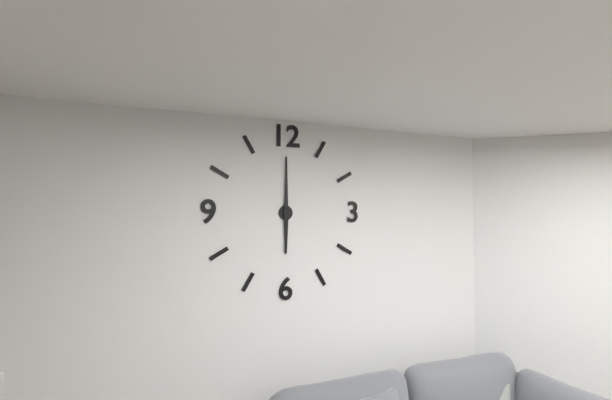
6:00
